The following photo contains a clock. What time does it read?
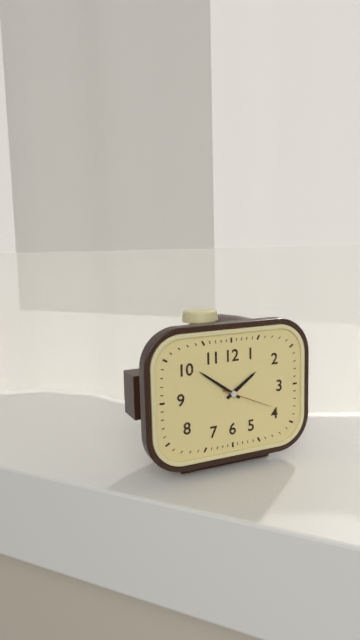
1:51:19
